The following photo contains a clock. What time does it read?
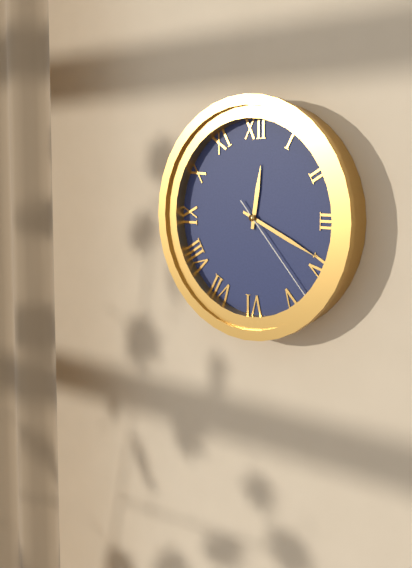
12:19:23
